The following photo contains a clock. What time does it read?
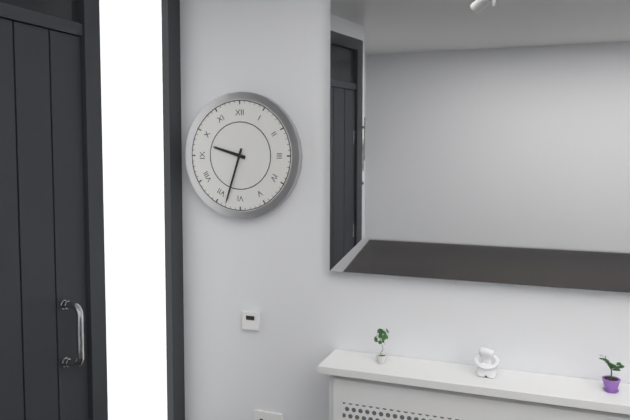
9:33
